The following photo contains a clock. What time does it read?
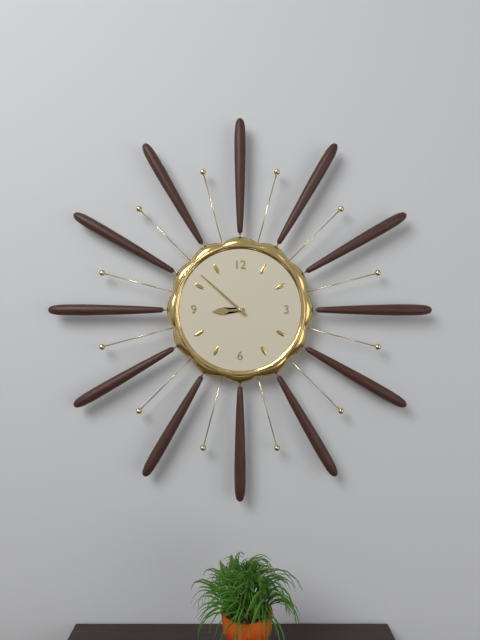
8:52
